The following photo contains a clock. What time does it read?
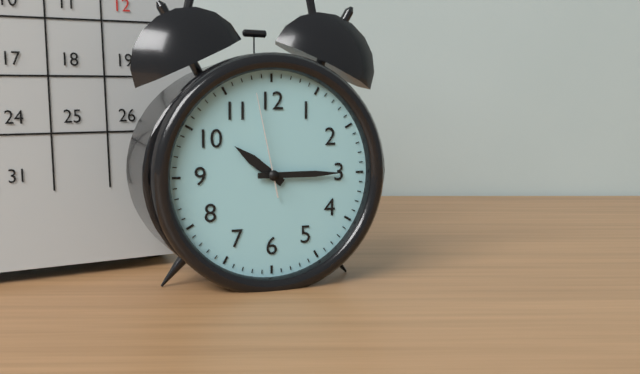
10:15:58
